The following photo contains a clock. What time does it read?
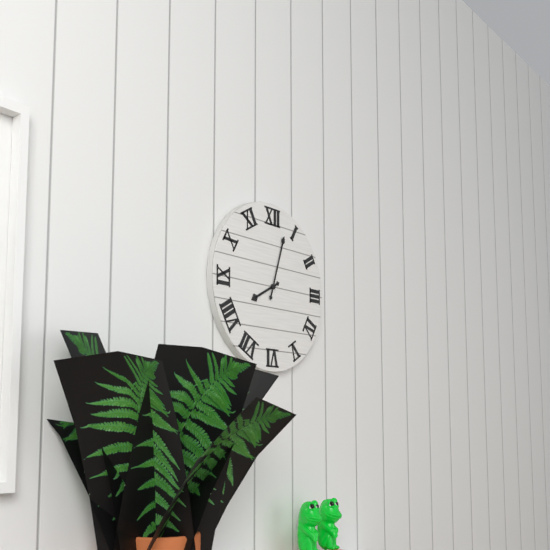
8:03
